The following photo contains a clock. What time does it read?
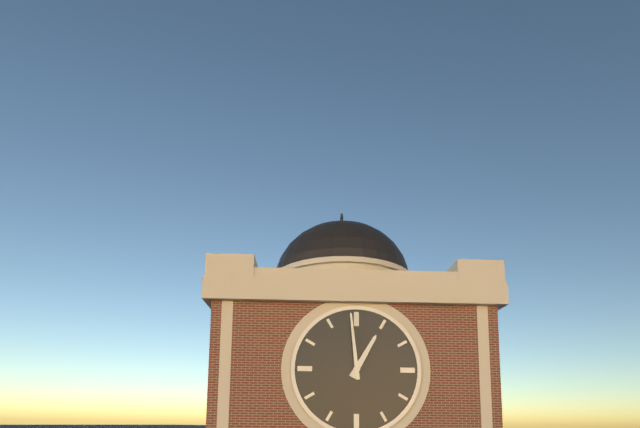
12:59
